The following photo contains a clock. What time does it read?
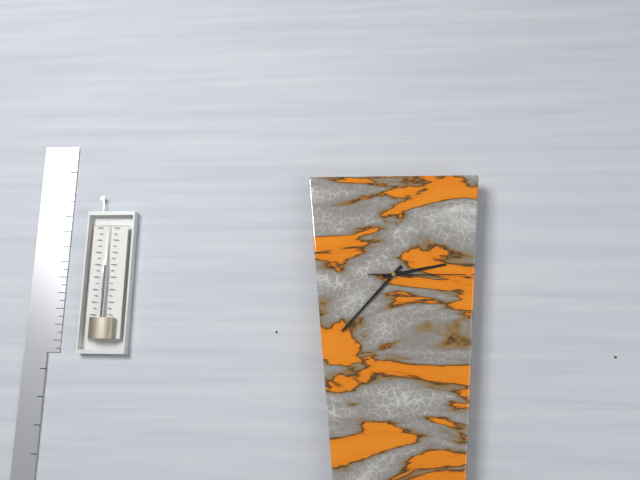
2:37:15
